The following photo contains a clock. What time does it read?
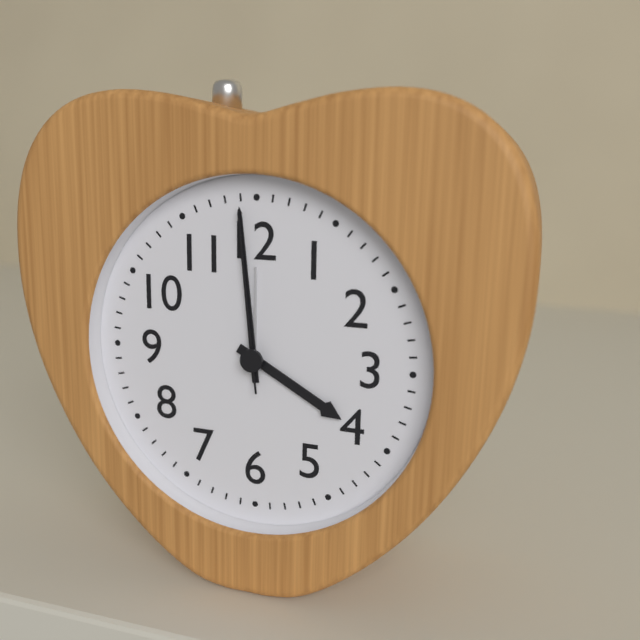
3:59:59
